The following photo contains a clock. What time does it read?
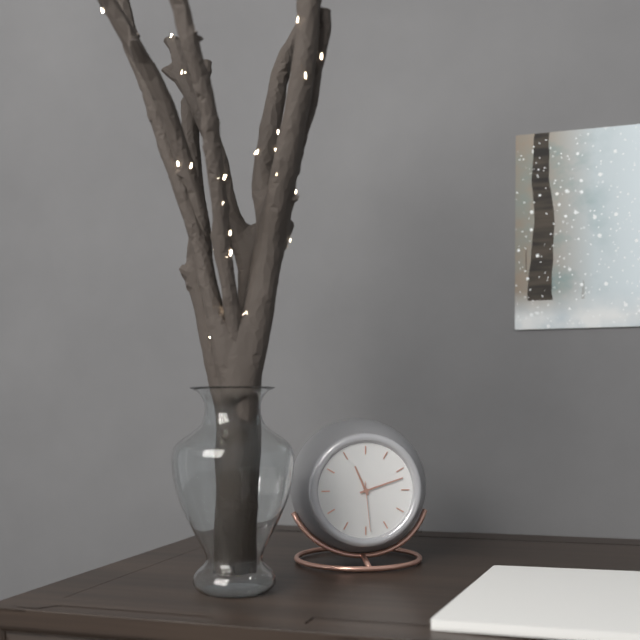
11:12:29
